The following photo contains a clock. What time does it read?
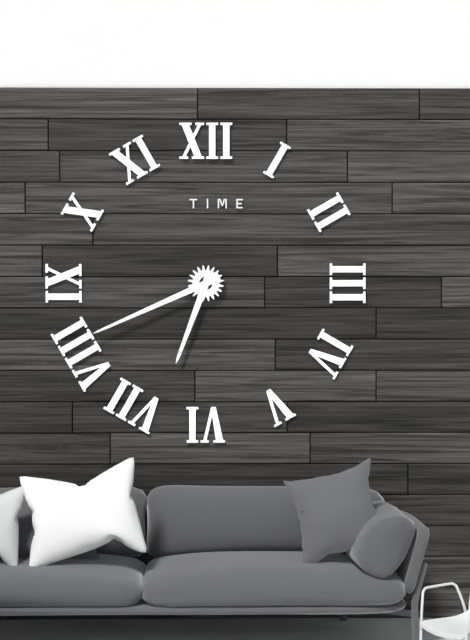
6:41
